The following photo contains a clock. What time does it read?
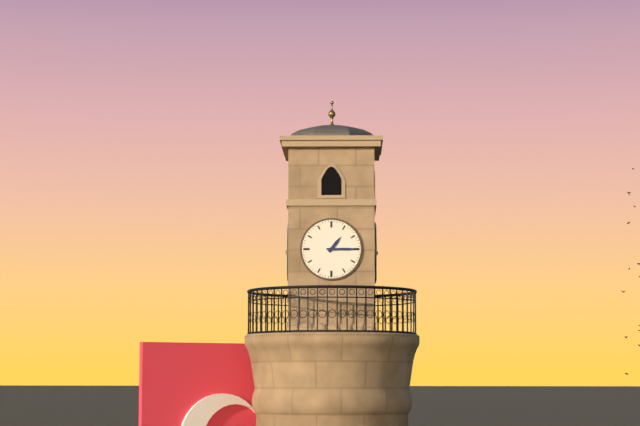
1:15
